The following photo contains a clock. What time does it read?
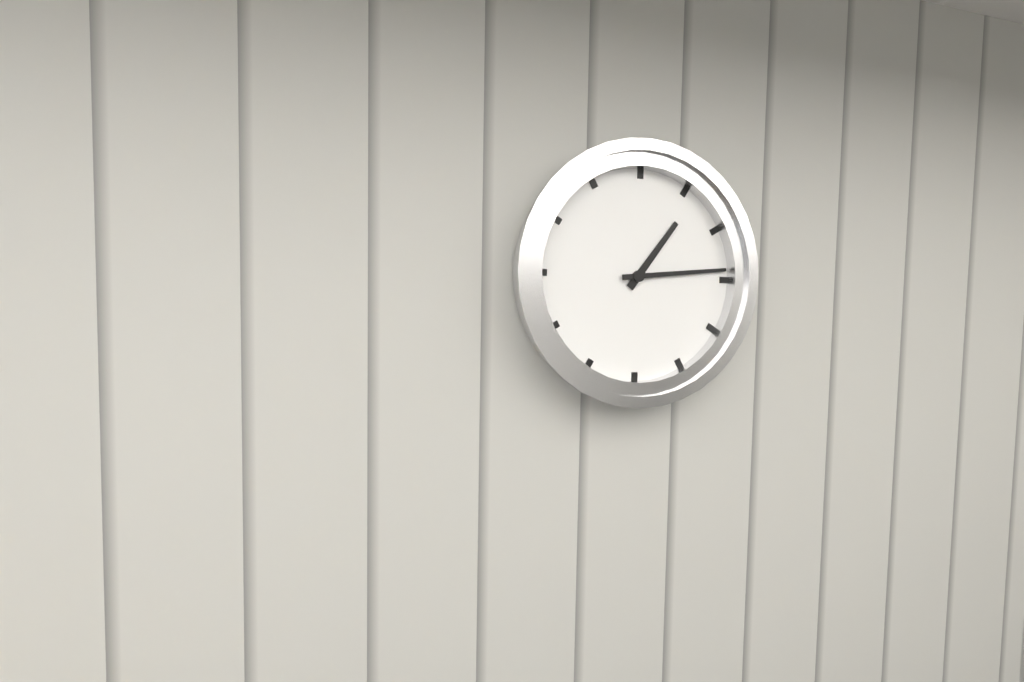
1:14
